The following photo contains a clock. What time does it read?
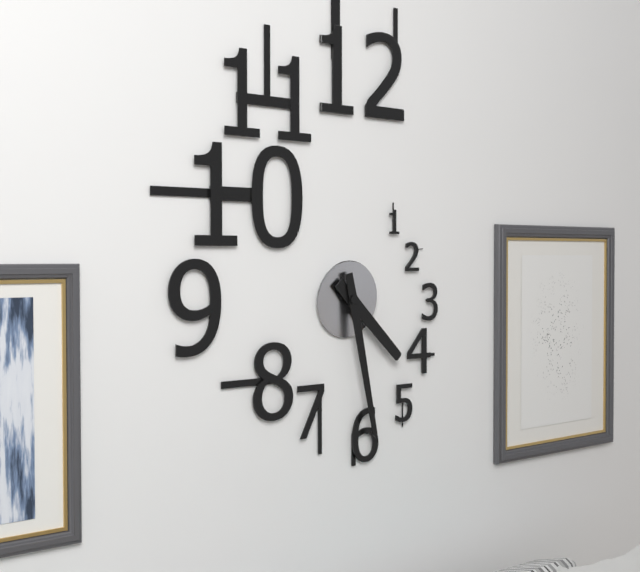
4:28
